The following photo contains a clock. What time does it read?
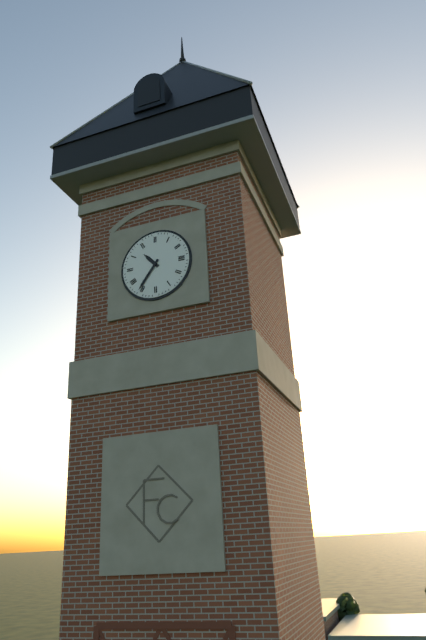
10:36
